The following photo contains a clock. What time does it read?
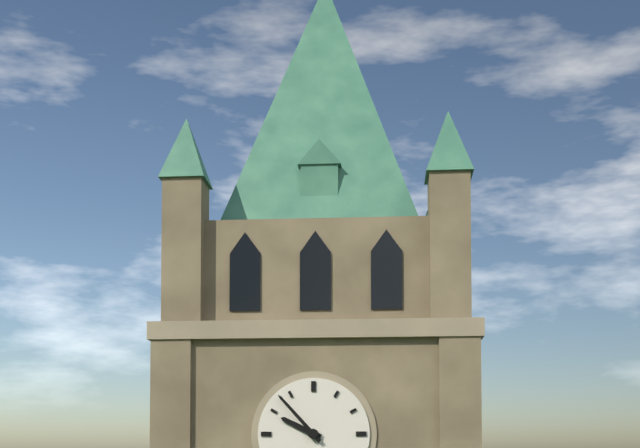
9:53
